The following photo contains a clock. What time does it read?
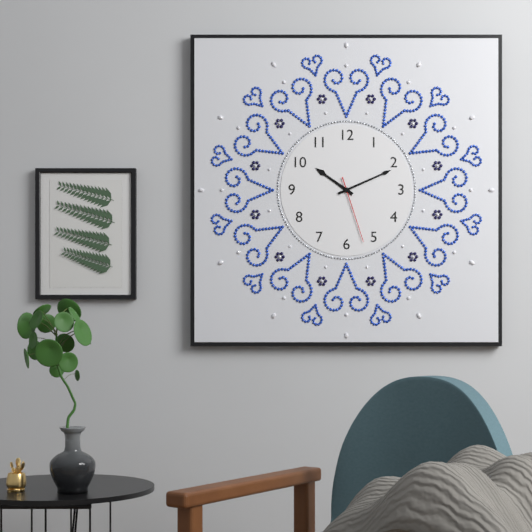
10:11:27
